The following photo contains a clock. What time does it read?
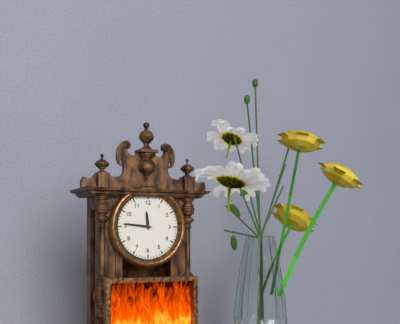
11:46
